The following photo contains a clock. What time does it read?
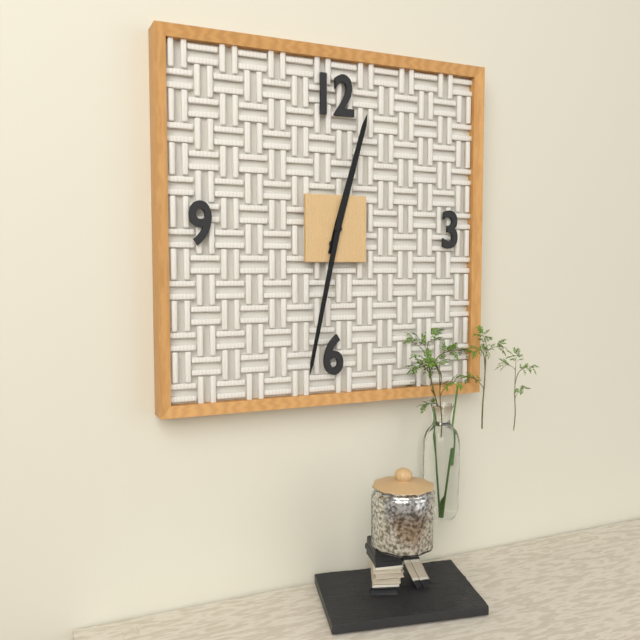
12:32
